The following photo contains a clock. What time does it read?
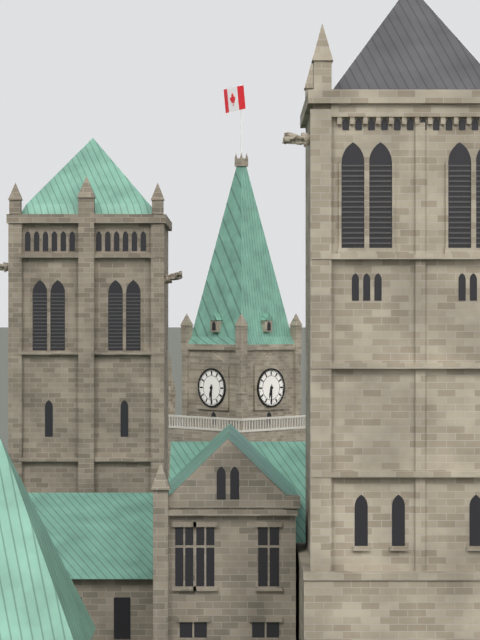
6:30
